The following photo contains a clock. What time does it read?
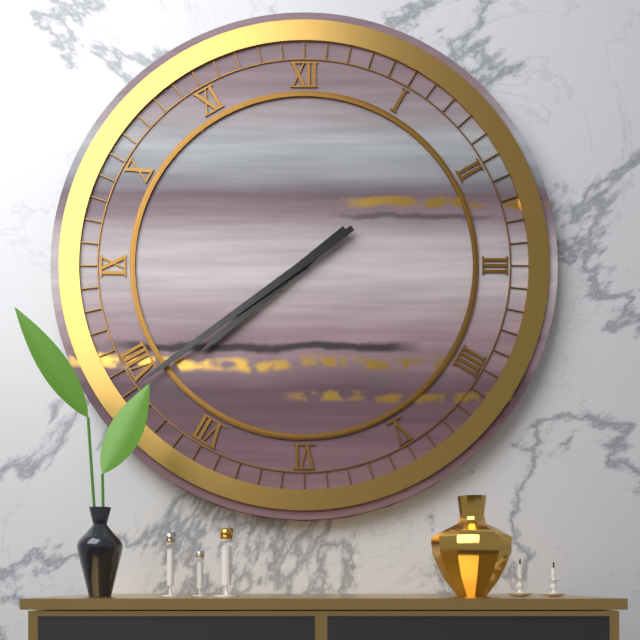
7:39
